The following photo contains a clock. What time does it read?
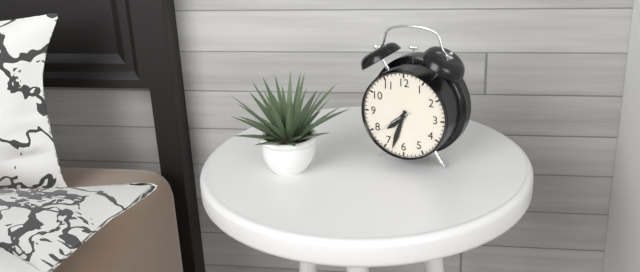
7:33:39
